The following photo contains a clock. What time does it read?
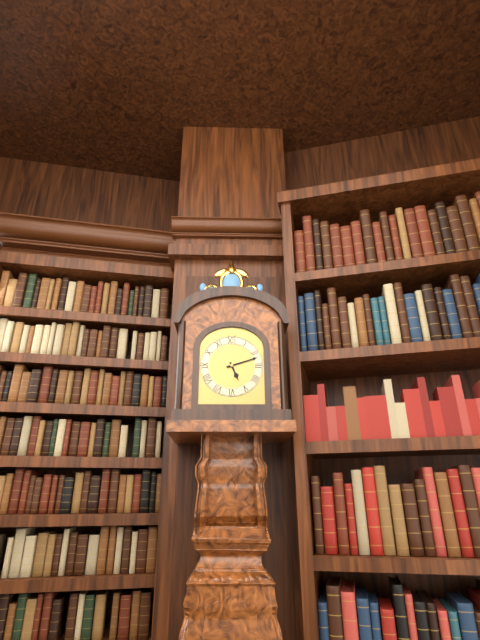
5:12
